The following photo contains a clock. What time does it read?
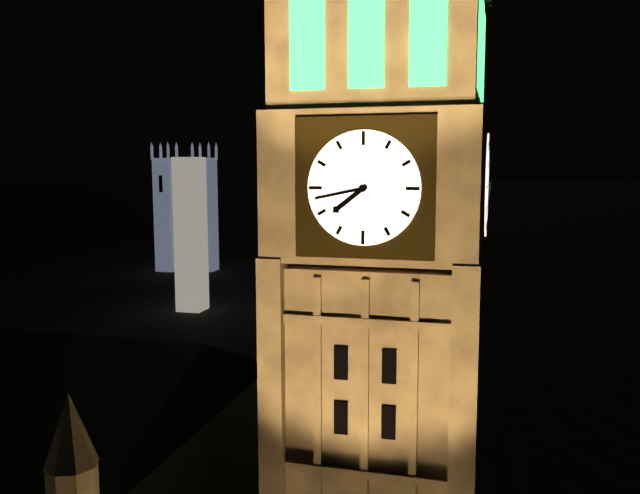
7:43
